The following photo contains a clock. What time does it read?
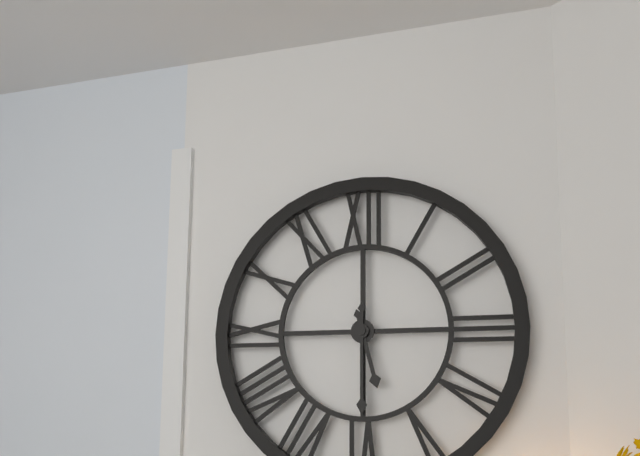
5:30
